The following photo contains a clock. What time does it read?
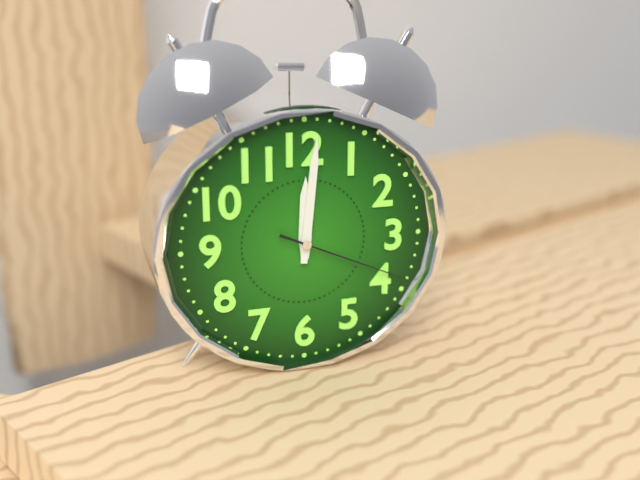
12:01:19
